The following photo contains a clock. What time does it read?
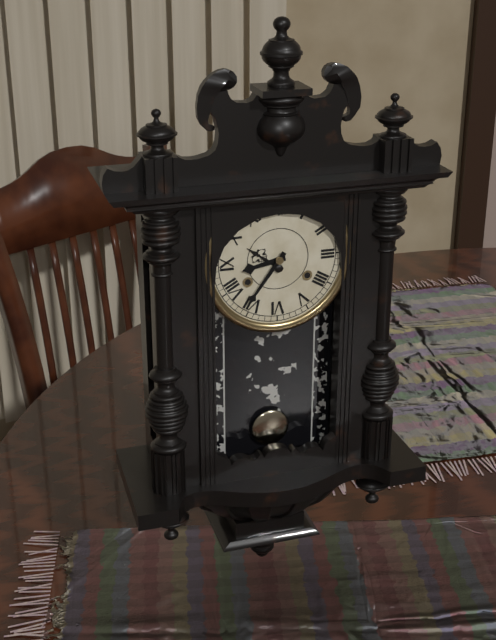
8:36
